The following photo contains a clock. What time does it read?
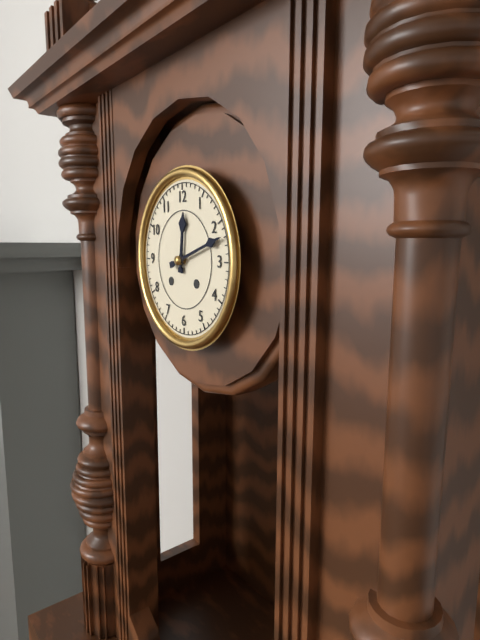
12:12
